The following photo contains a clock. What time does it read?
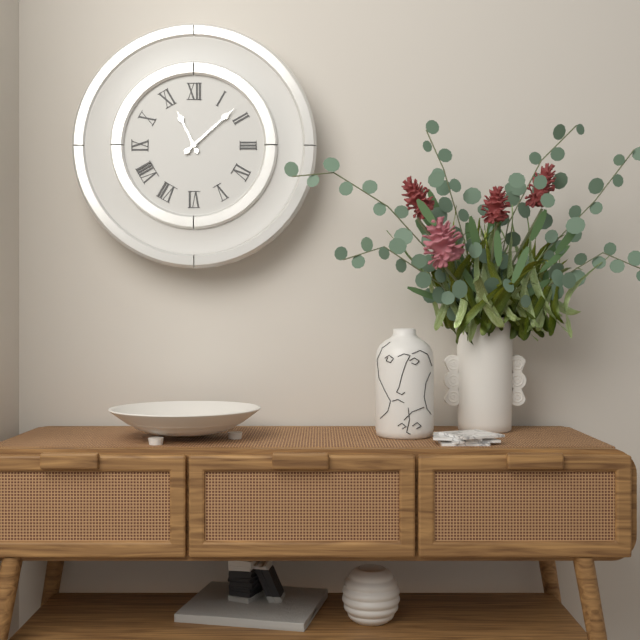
11:08
